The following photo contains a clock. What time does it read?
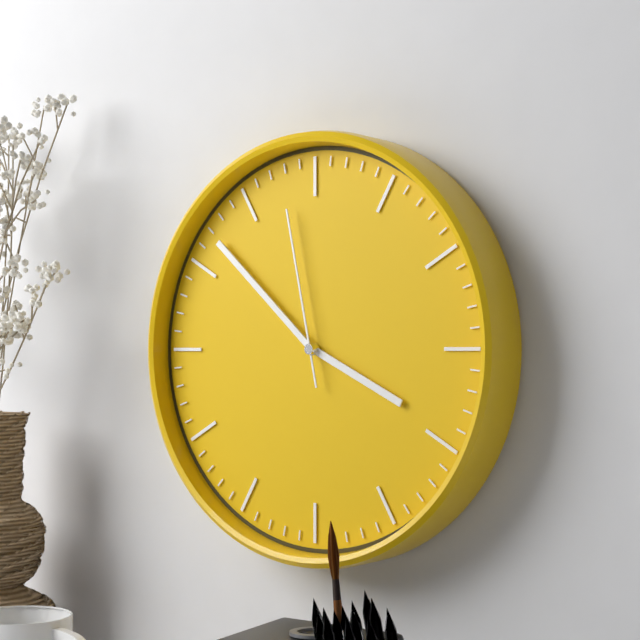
3:52:58
